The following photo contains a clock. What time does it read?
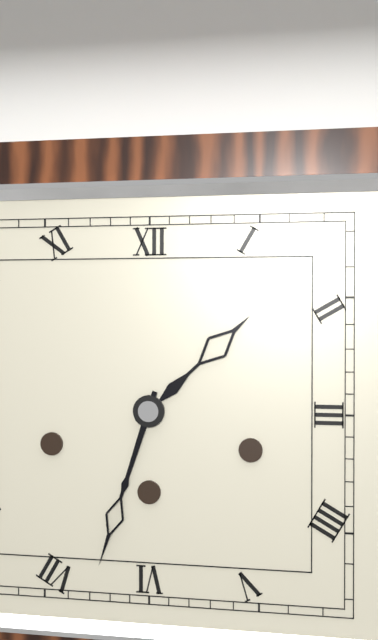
1:33
